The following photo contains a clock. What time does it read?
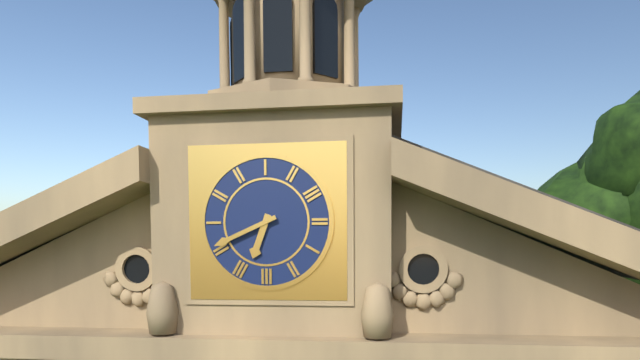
6:41
